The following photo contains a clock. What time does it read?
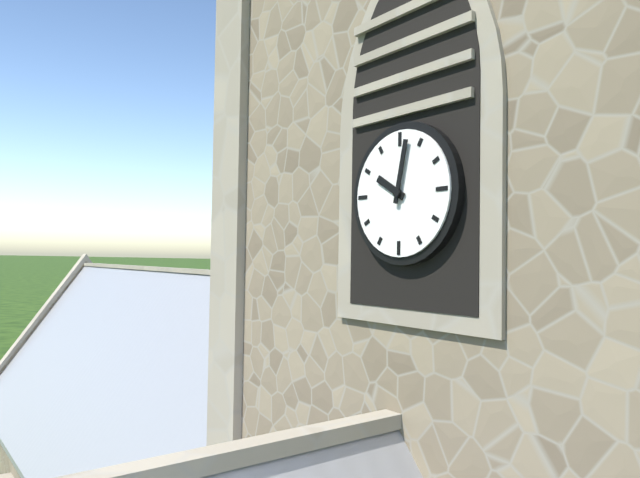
10:02
